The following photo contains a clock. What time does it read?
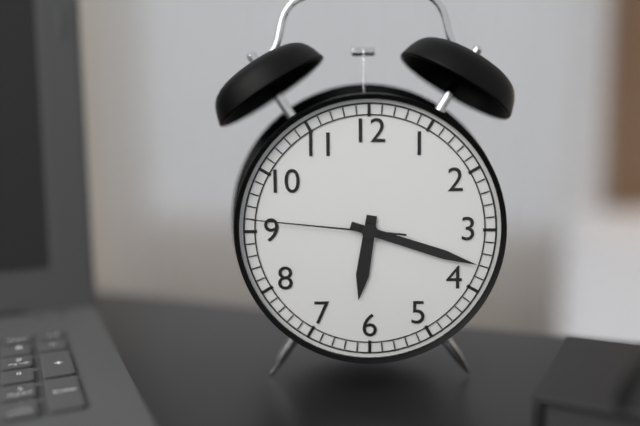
6:18:46
